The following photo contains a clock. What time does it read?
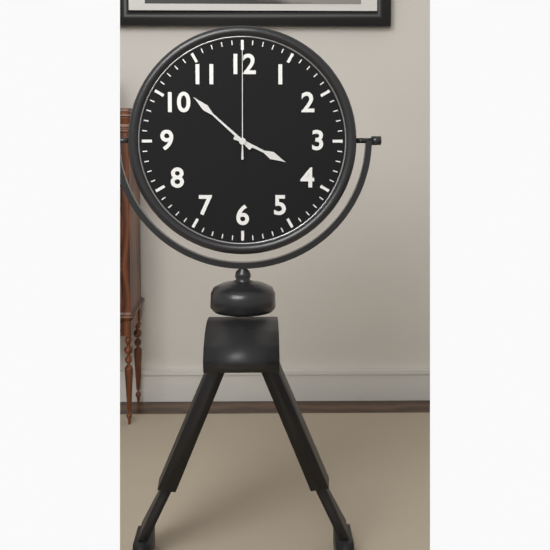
3:52:00
